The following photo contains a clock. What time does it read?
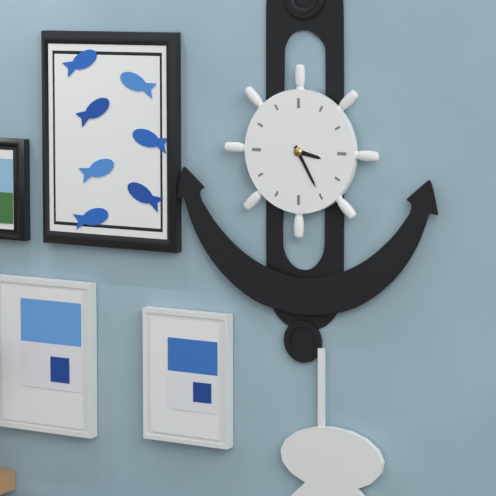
3:25
